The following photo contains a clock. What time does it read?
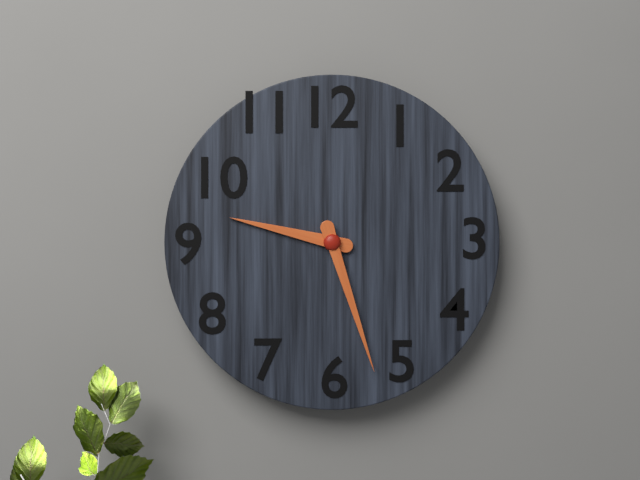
9:27
